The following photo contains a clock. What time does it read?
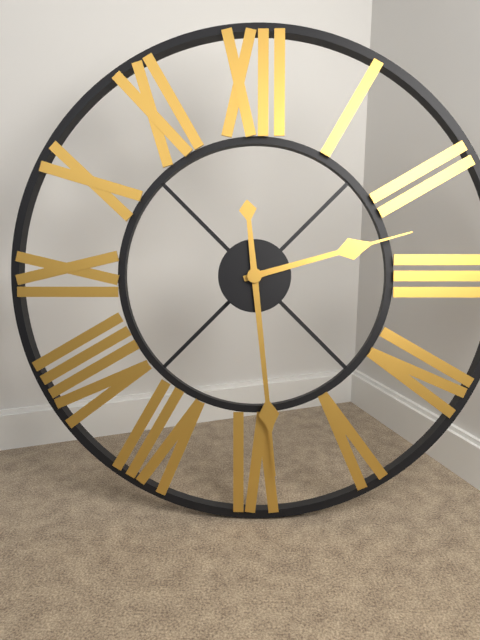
2:29
